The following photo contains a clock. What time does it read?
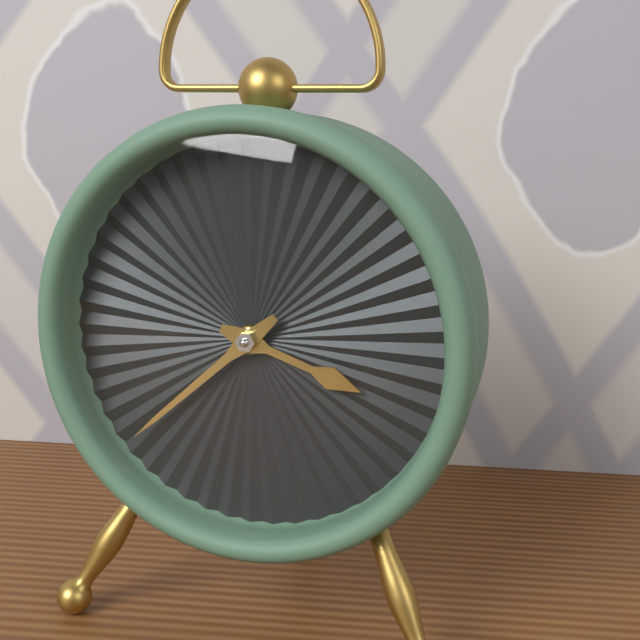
3:38
